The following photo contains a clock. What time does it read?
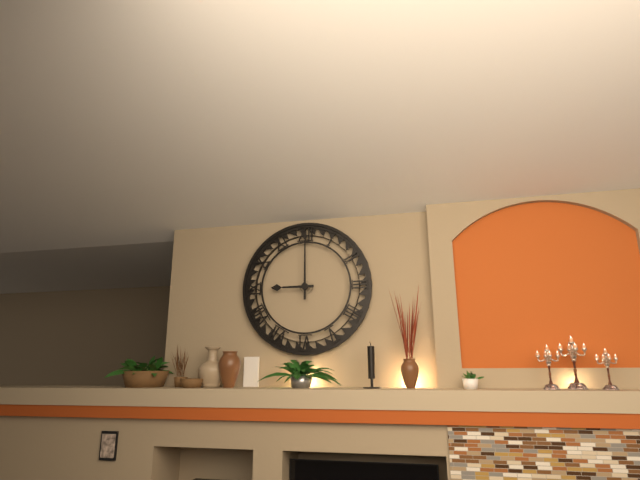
9:00
